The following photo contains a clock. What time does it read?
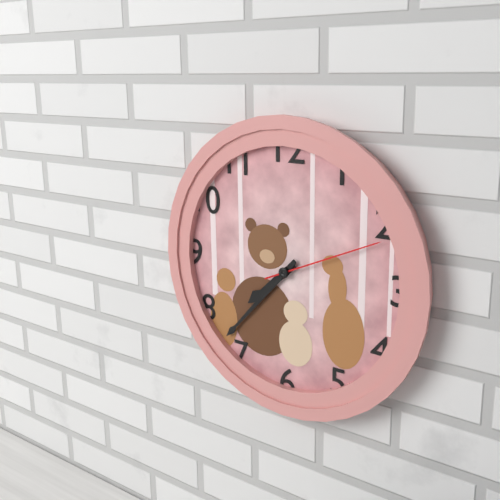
7:37:11
